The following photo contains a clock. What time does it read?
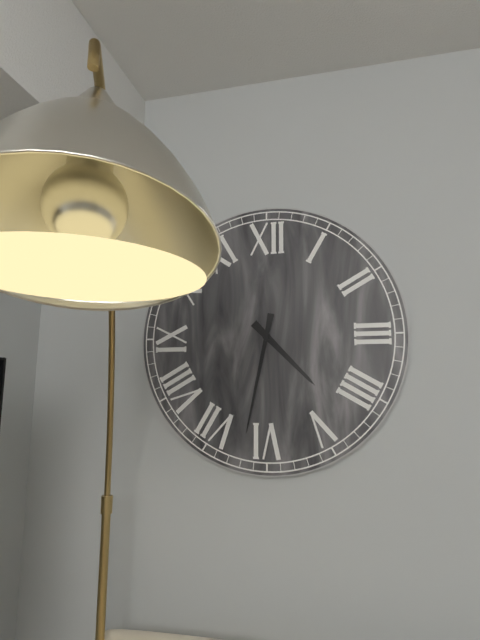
4:32
